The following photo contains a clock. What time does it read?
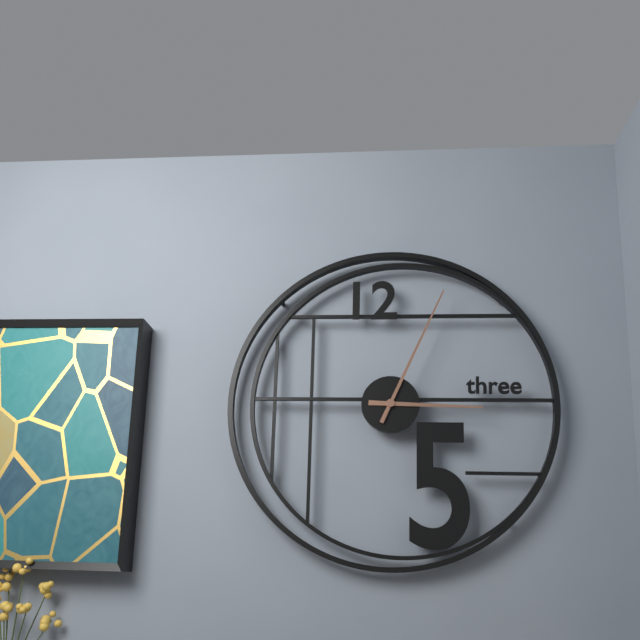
3:04
